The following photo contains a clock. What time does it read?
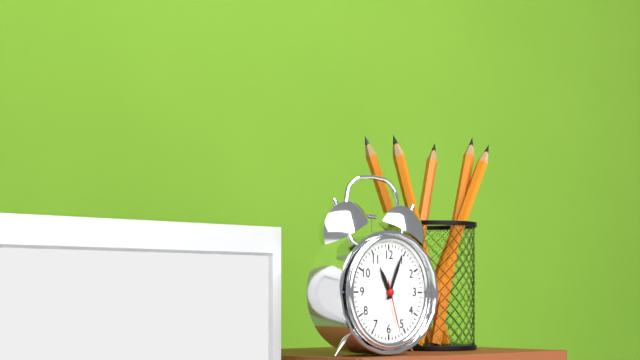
11:04:27
